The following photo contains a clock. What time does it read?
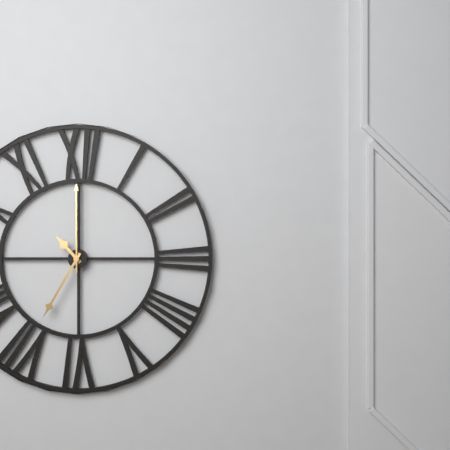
10:35:00
